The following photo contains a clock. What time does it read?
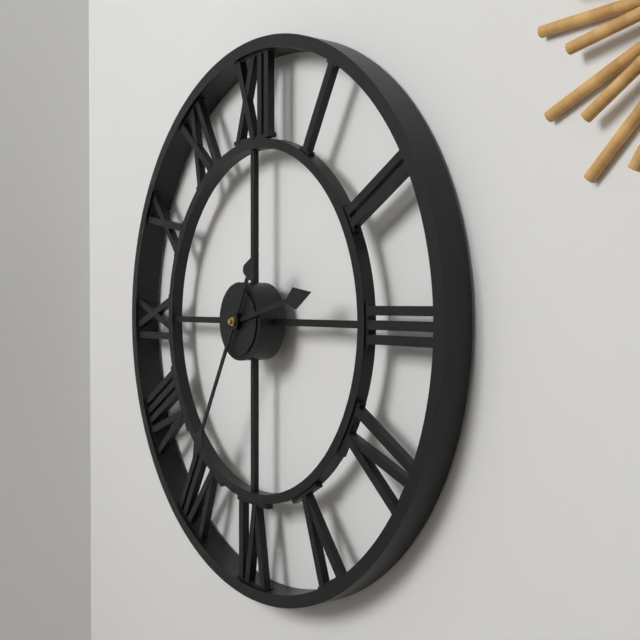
2:35
